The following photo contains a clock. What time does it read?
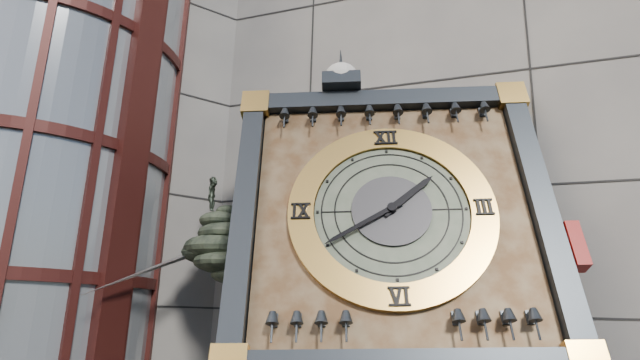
1:40
